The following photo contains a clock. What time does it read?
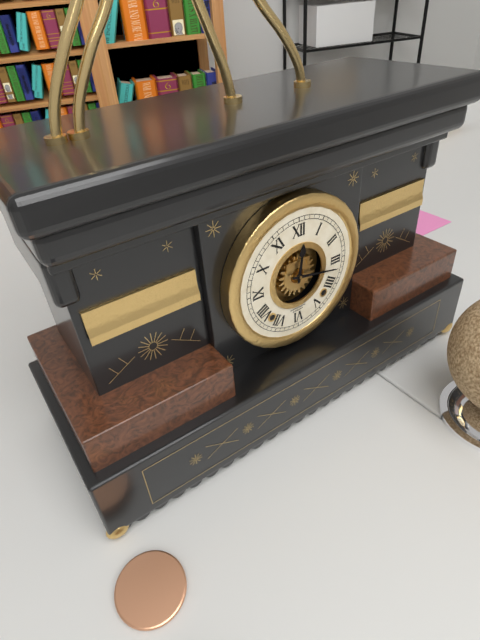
12:17
